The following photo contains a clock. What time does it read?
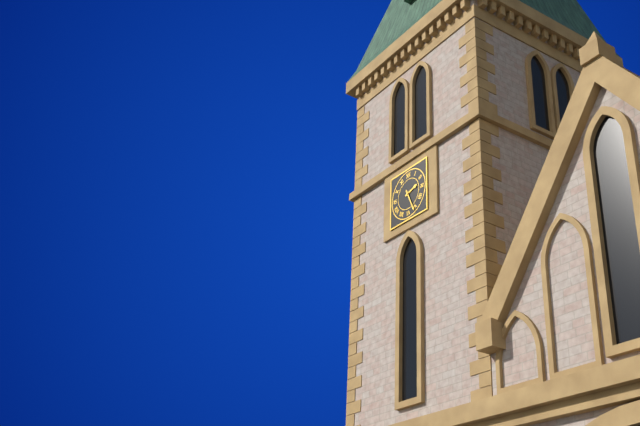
2:26
